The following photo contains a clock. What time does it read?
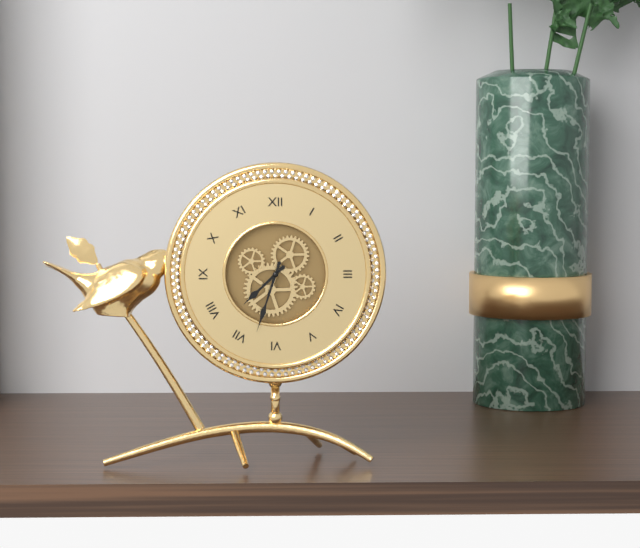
7:33
